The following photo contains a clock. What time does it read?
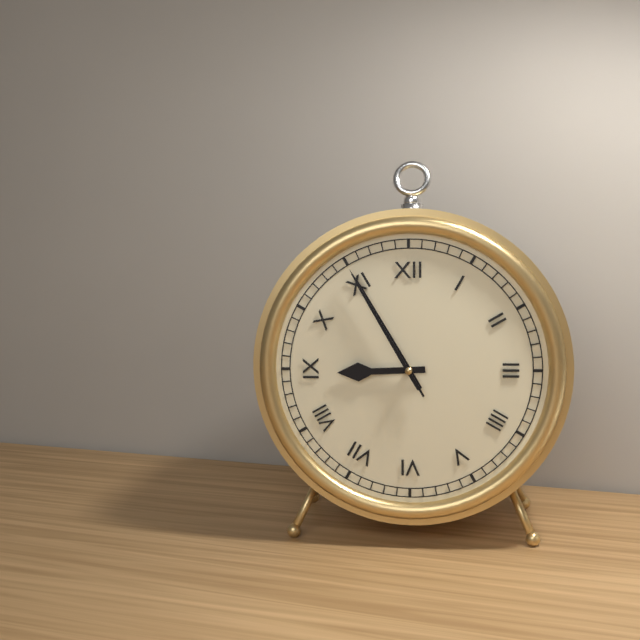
8:55:55
